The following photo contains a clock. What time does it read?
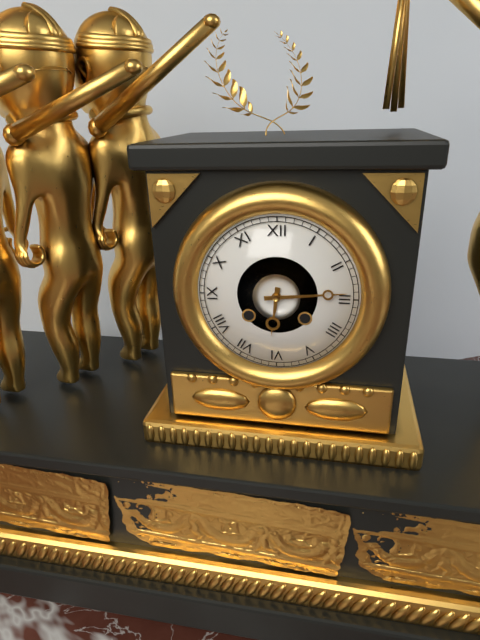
6:14
